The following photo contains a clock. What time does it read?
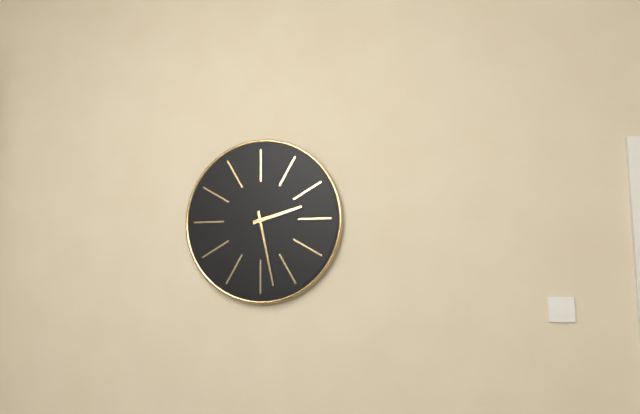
2:28
